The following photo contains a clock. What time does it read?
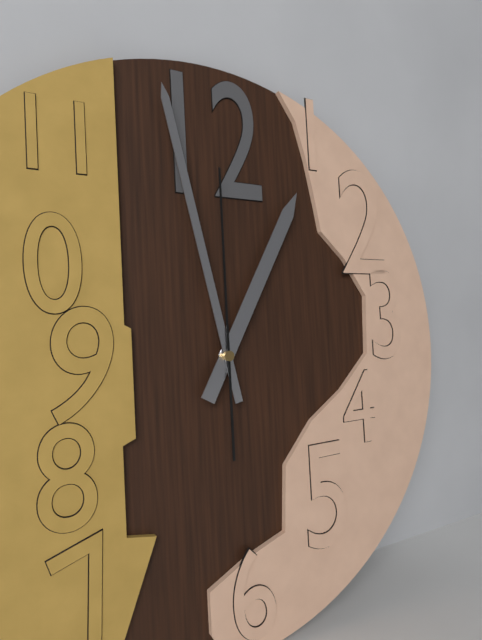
12:58:00
